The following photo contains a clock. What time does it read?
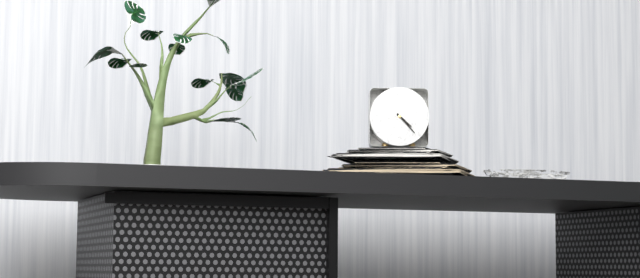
4:23
